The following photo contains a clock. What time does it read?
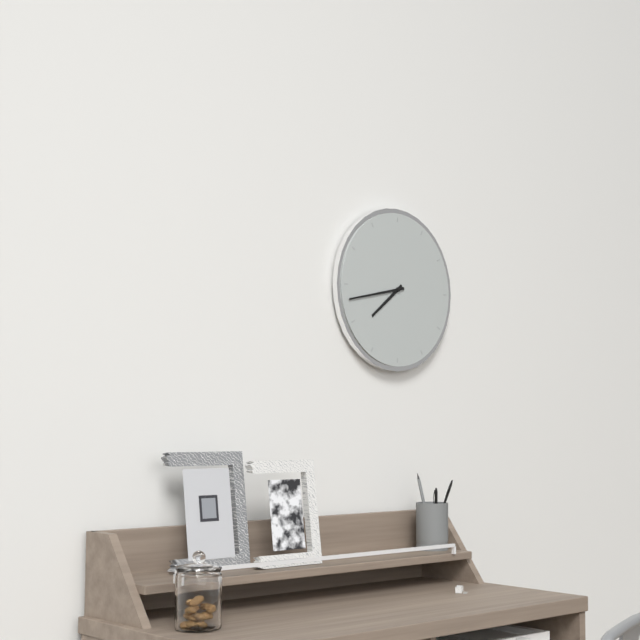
7:43
